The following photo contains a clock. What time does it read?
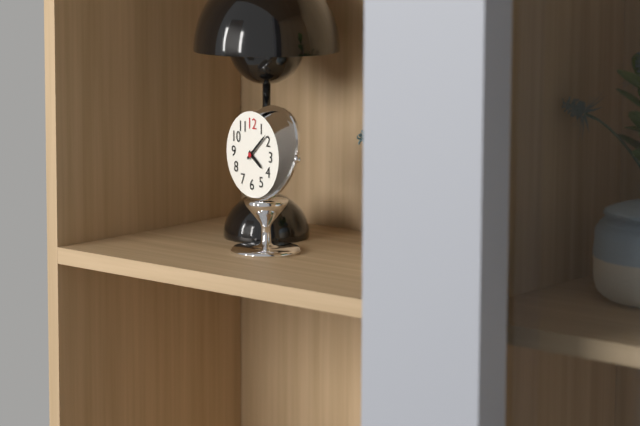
4:08
